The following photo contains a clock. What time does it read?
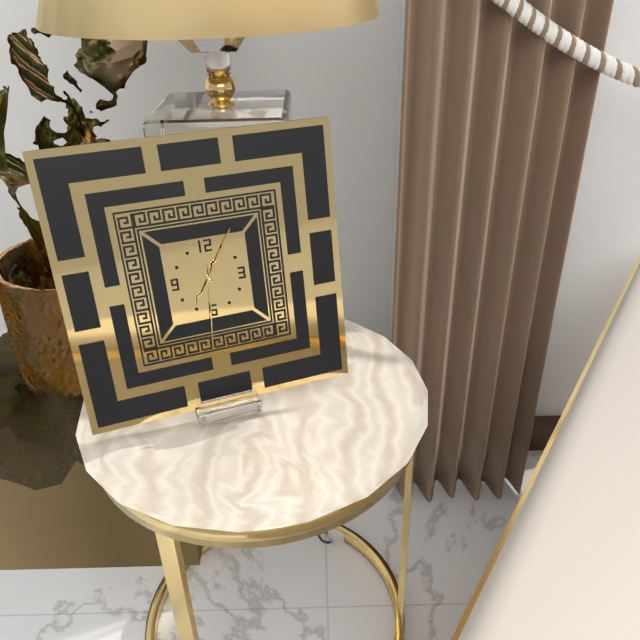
7:05:31
